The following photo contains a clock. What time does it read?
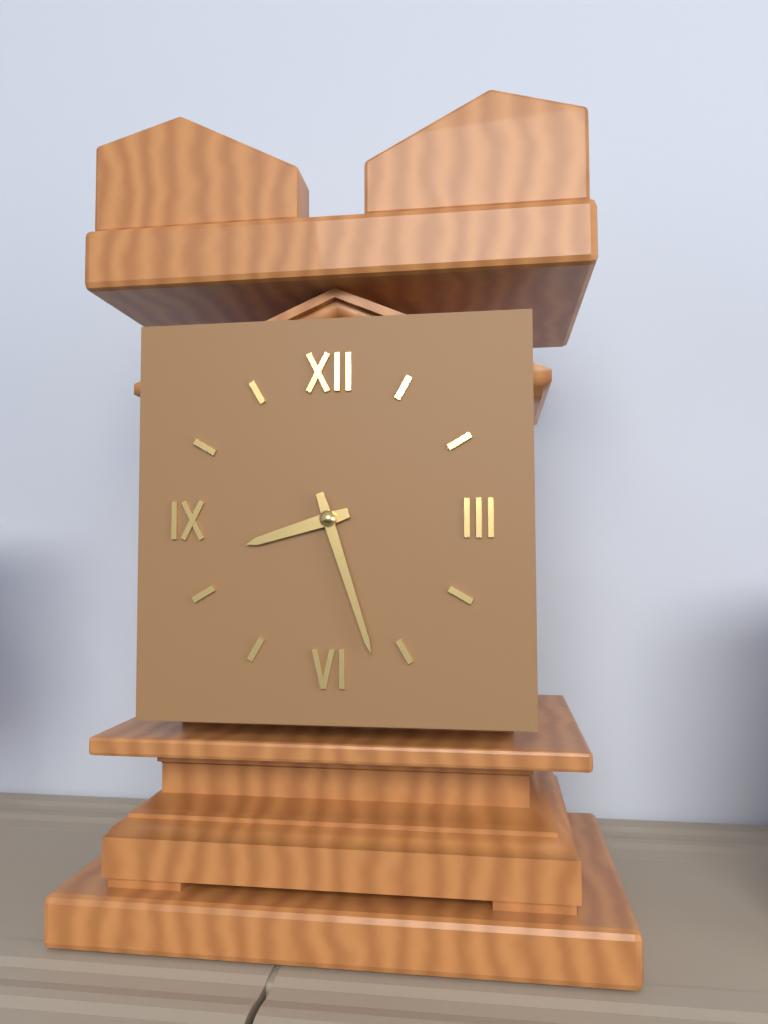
8:27
